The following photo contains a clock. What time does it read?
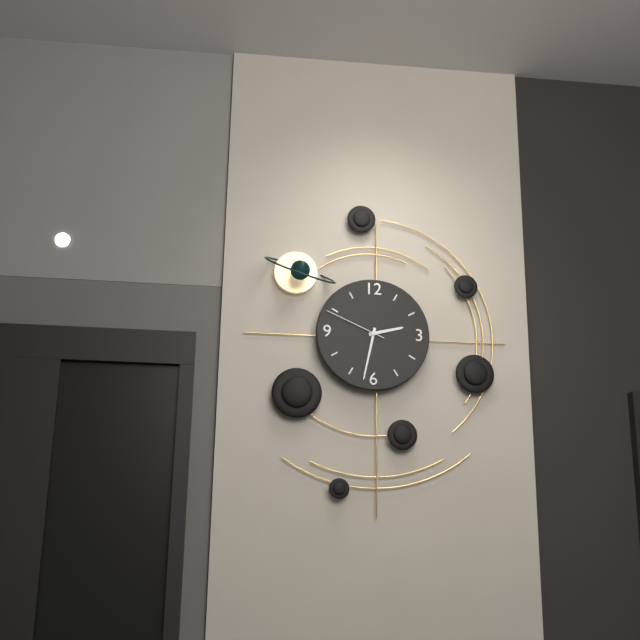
2:32:49
